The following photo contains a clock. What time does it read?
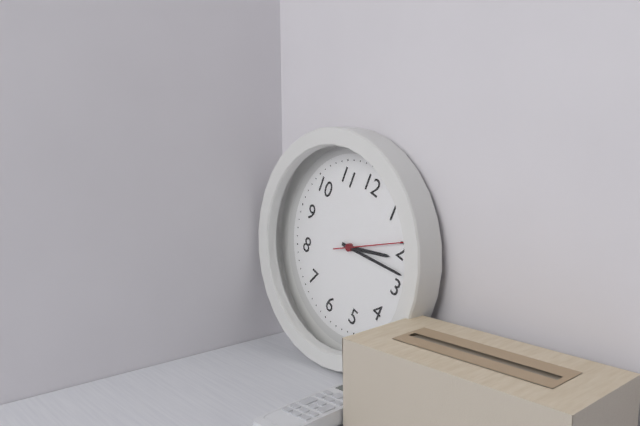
2:13:09
